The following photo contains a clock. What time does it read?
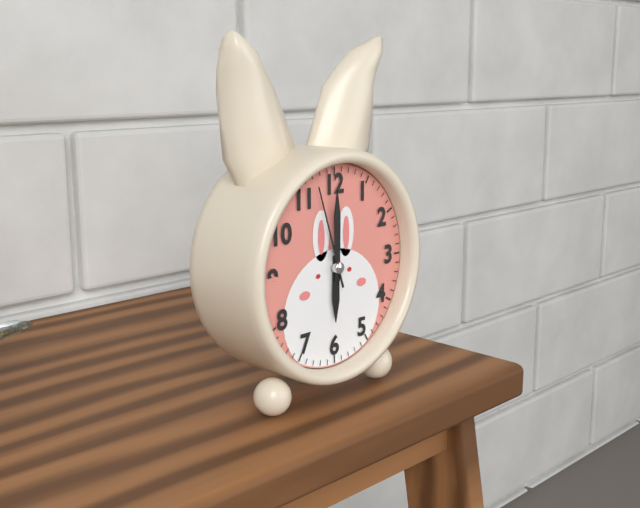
6:00:57
